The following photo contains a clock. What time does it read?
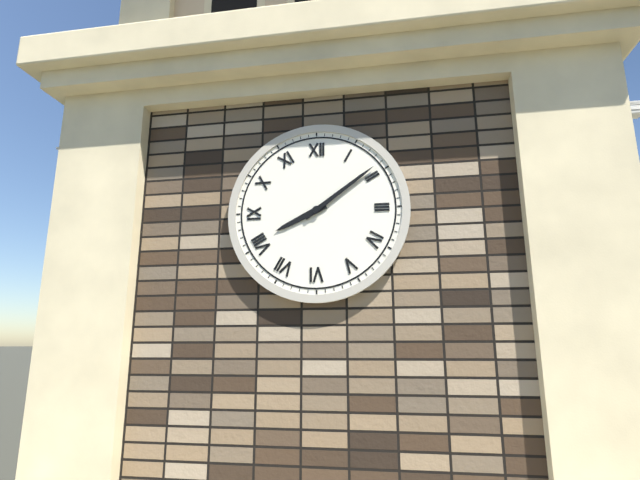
8:09
